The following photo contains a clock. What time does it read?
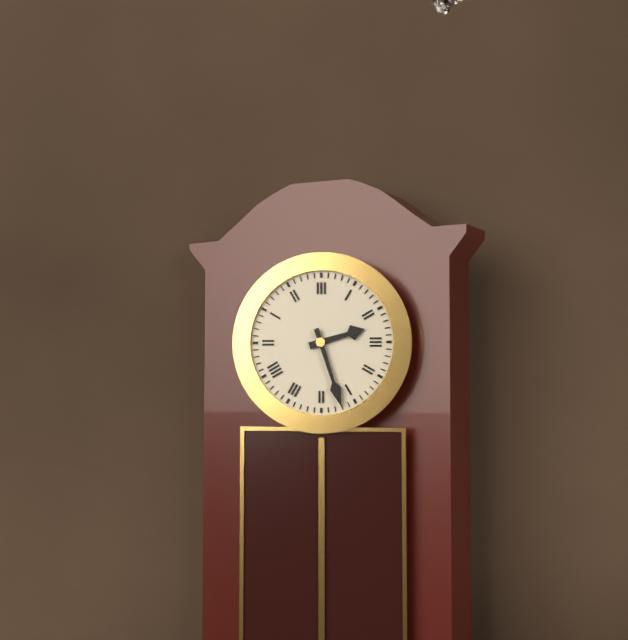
2:27
